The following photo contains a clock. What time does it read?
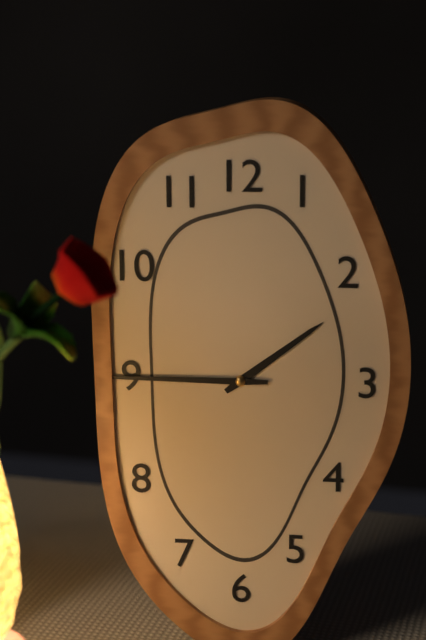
1:45
